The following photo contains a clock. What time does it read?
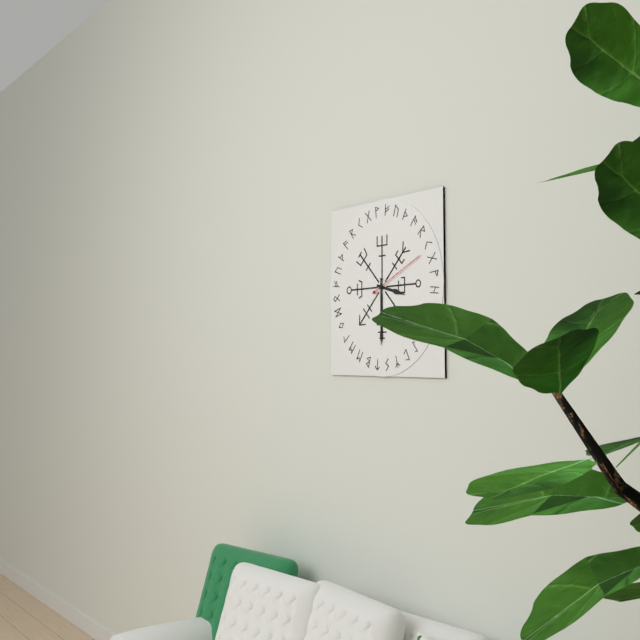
3:30:11
